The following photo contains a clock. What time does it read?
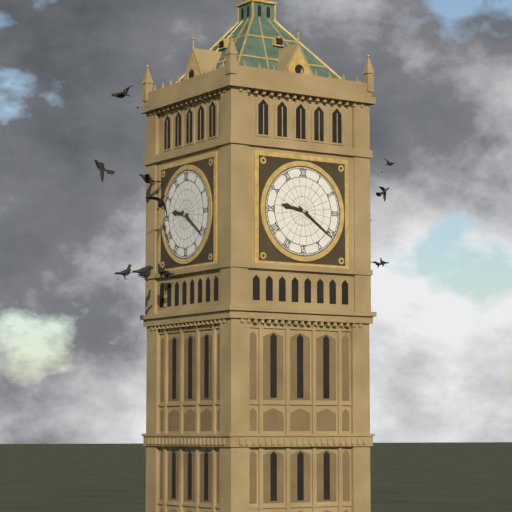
9:21
